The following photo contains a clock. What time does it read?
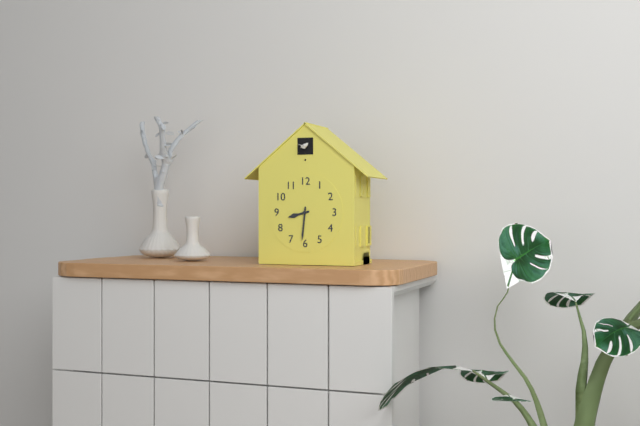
8:31
